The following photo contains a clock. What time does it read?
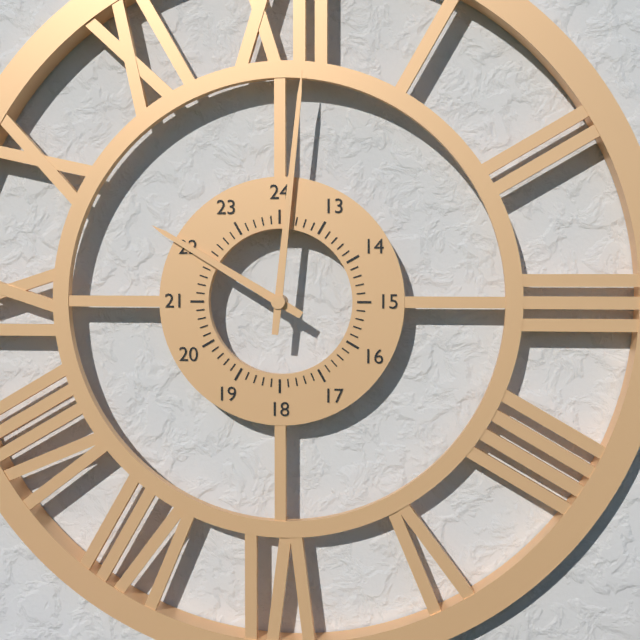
10:01
